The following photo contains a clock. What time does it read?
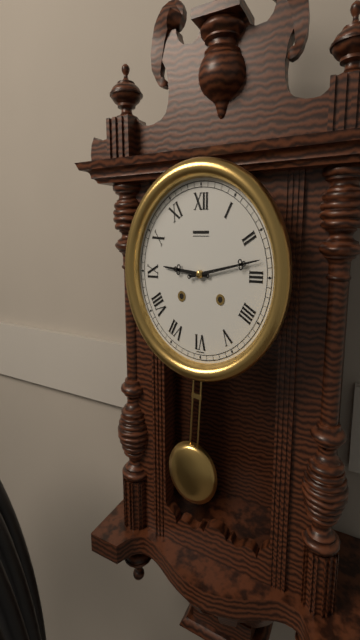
9:13
